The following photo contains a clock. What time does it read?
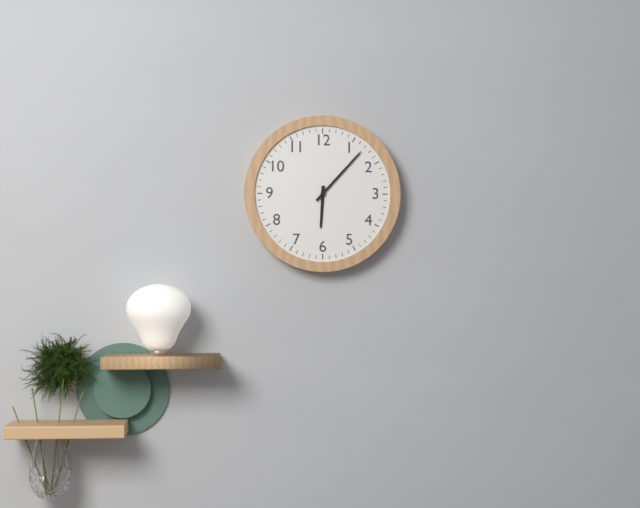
6:07
